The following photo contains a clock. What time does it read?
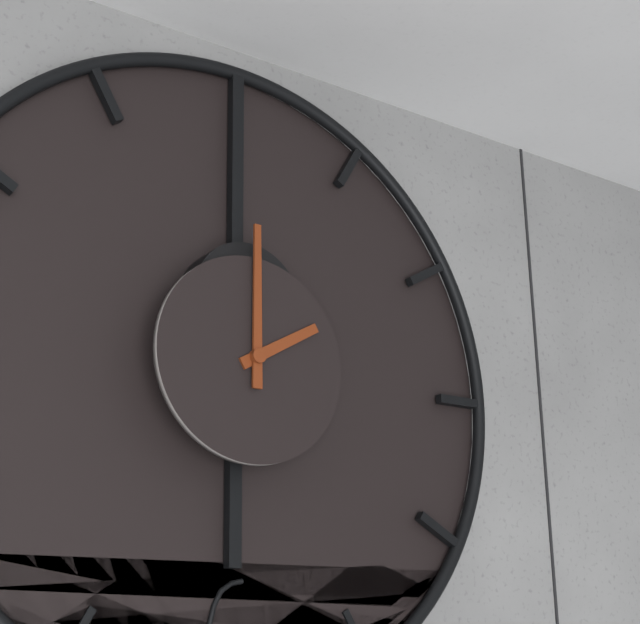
2:00
